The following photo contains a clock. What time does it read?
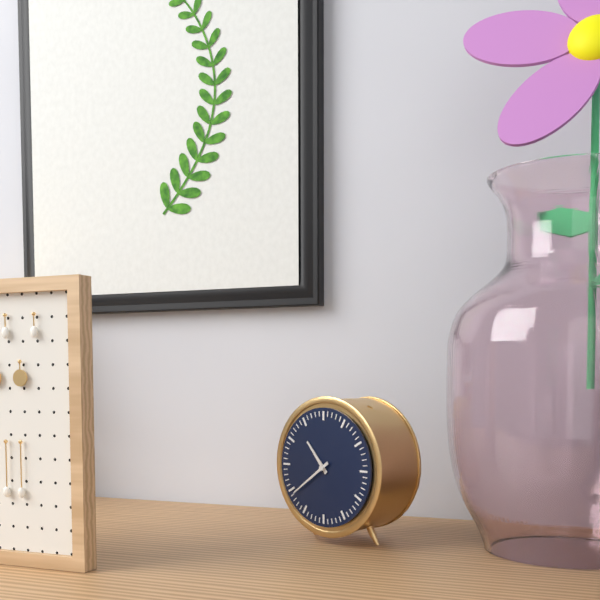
10:39
